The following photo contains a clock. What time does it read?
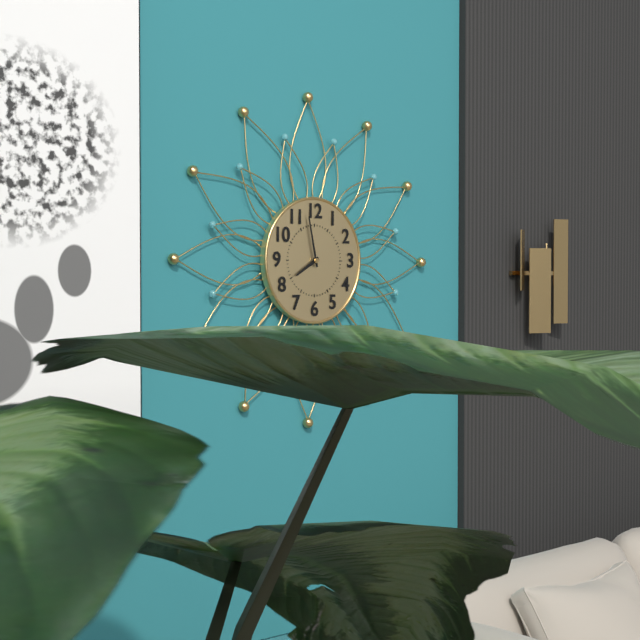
7:58
